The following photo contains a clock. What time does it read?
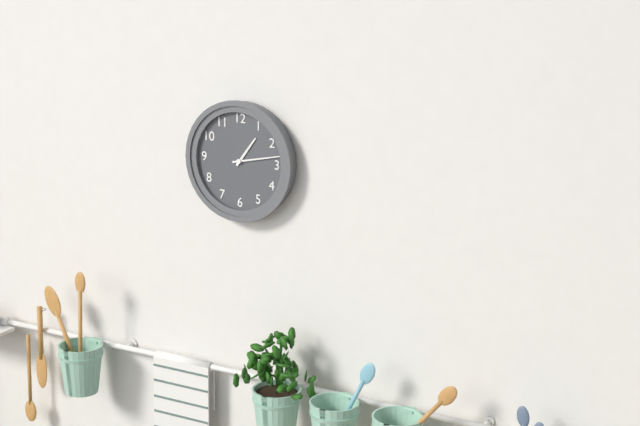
1:13
